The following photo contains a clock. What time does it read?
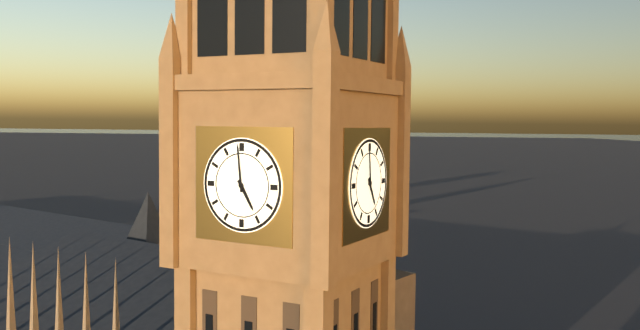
4:59
